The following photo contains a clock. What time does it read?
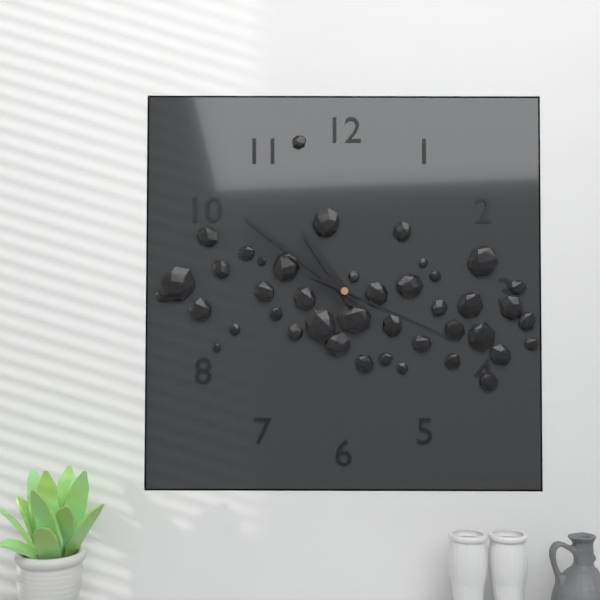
10:51:19
